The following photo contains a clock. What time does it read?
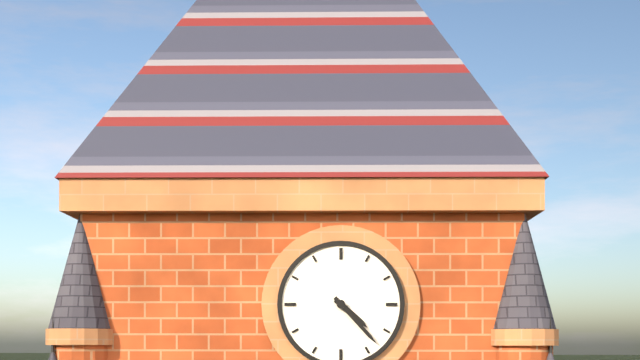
4:23
